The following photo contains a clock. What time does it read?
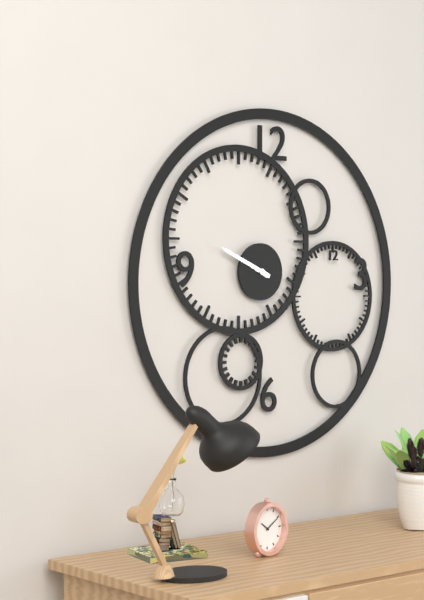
9:49
